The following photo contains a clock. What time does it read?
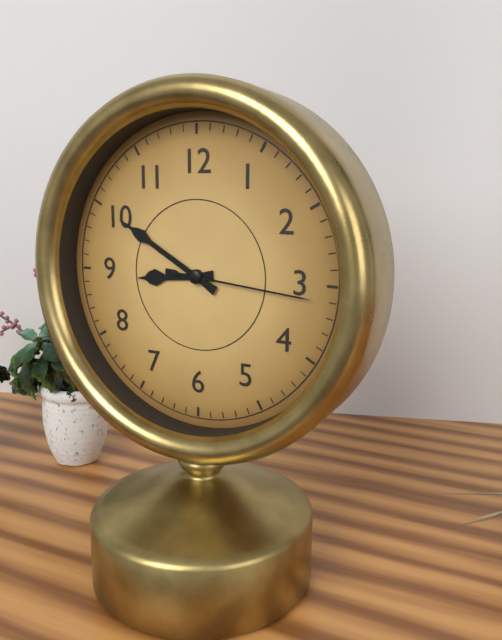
8:50:16
